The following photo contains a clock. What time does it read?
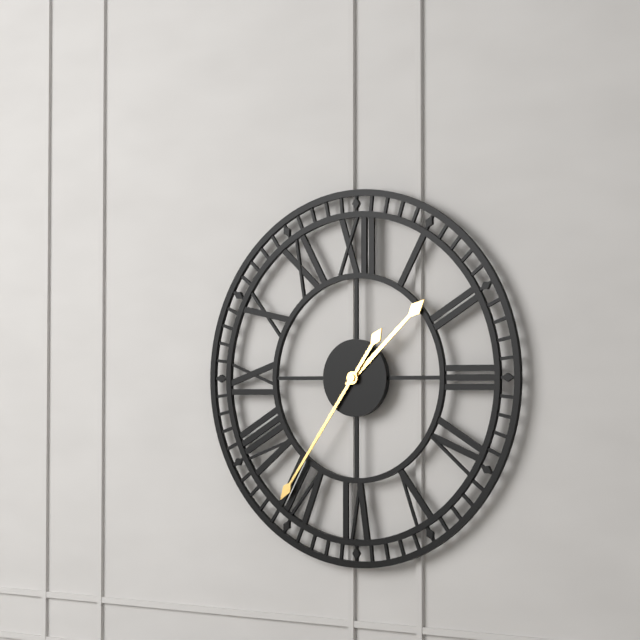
1:36
